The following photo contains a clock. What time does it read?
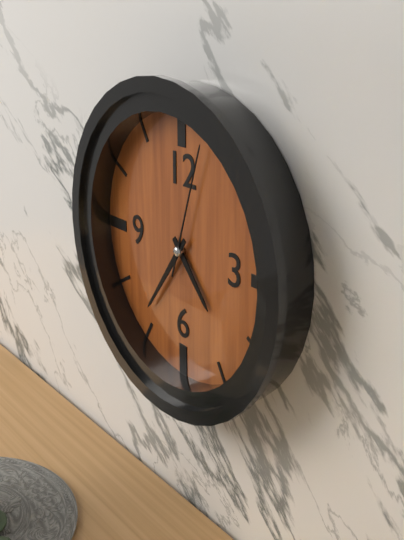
4:36:03
